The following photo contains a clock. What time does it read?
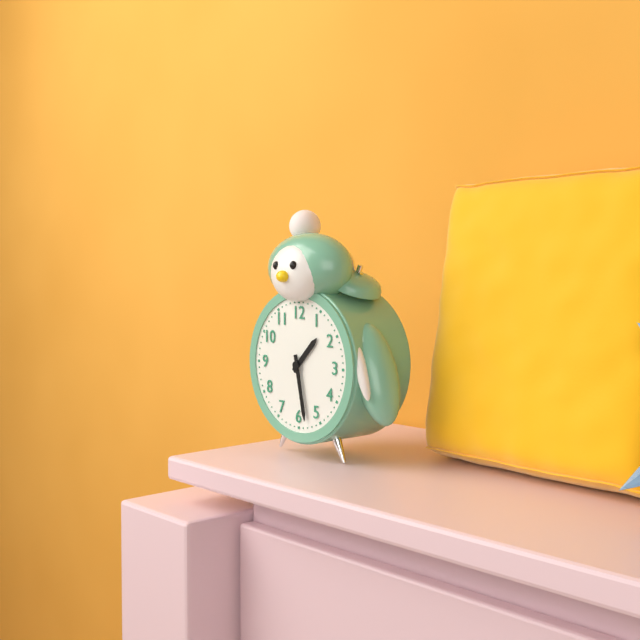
1:28
